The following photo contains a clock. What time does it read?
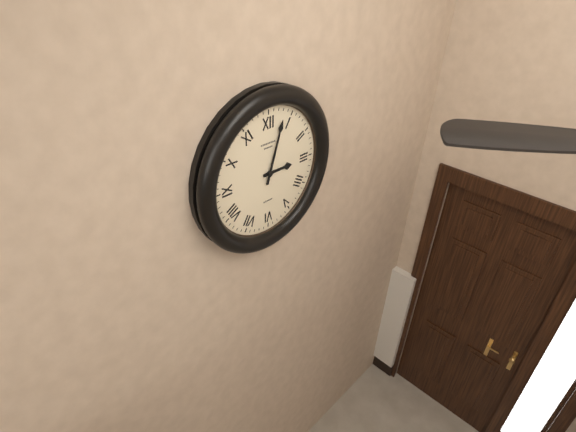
3:03
